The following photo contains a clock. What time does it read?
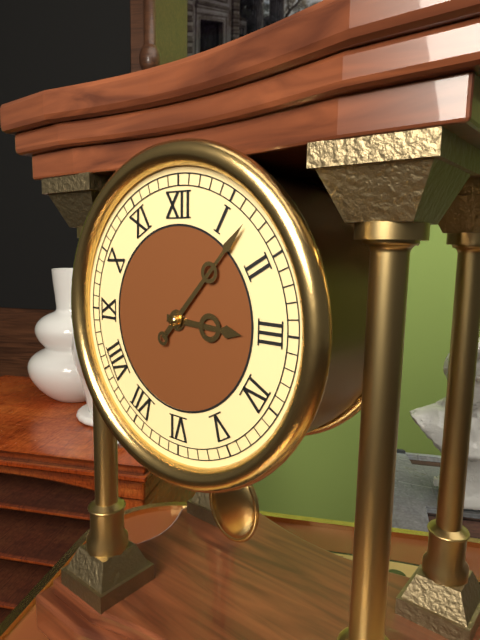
3:07
